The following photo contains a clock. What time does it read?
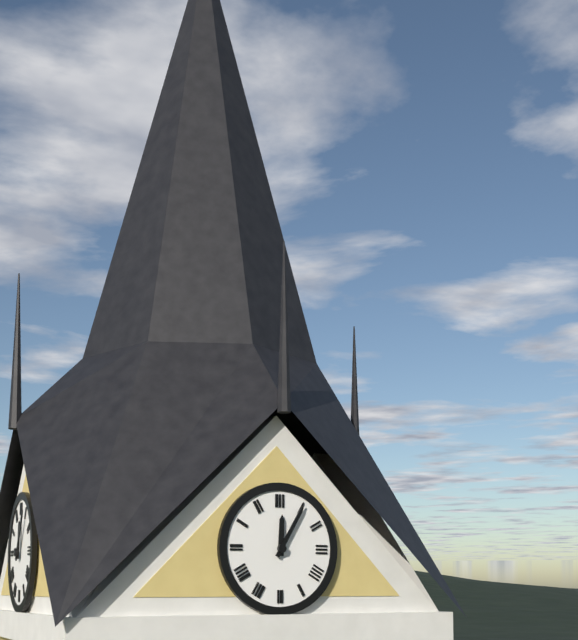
12:05
